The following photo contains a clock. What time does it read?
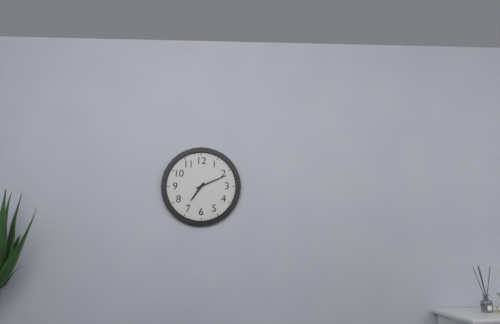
7:11
